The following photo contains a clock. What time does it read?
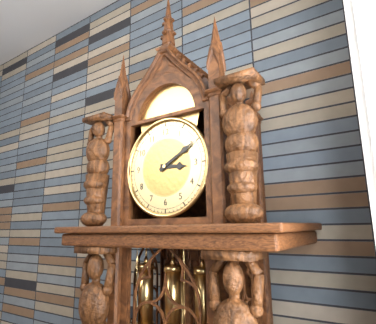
3:10
